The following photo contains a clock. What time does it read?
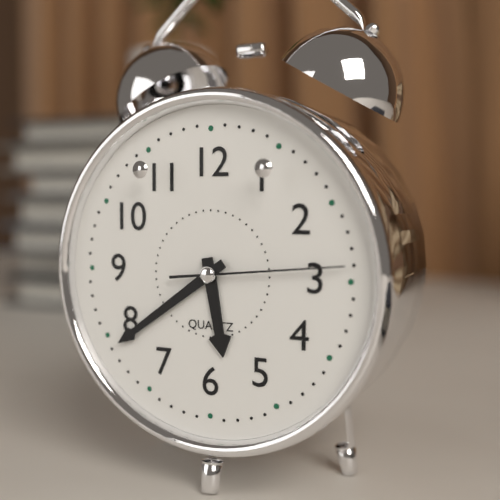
5:39:14
